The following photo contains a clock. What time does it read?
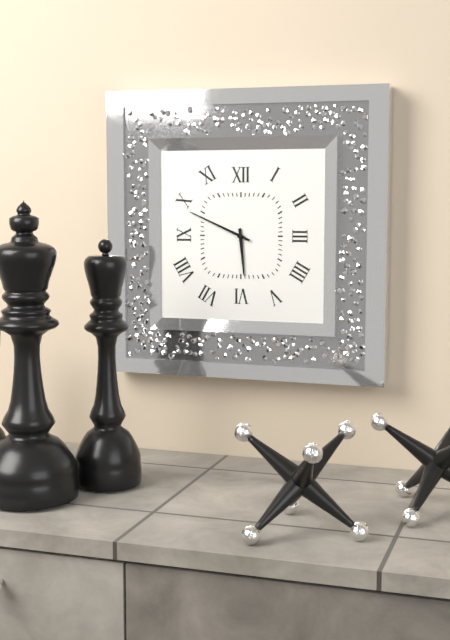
5:49
